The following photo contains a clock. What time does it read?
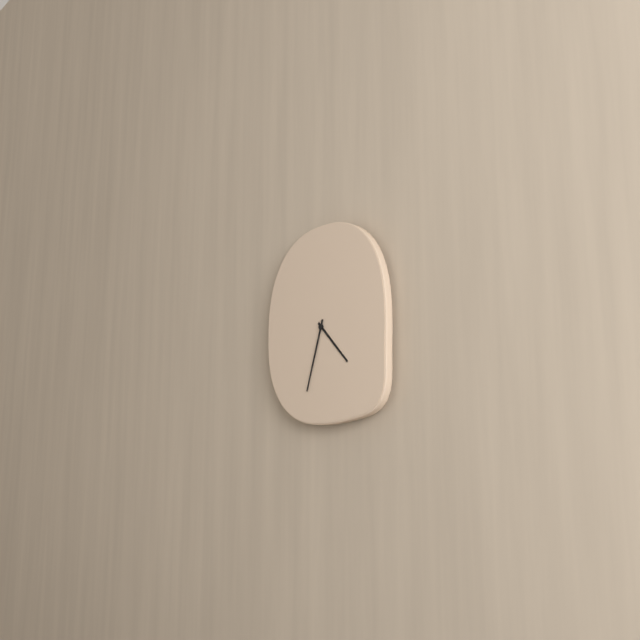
4:33
